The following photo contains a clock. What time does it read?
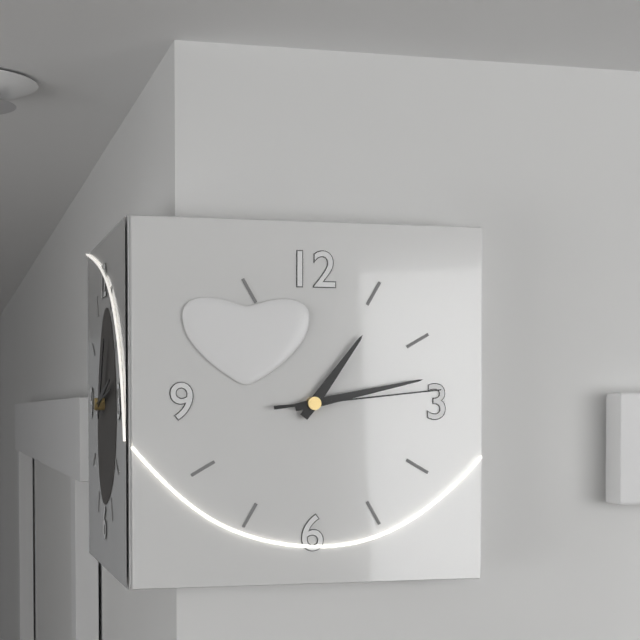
1:13:14
